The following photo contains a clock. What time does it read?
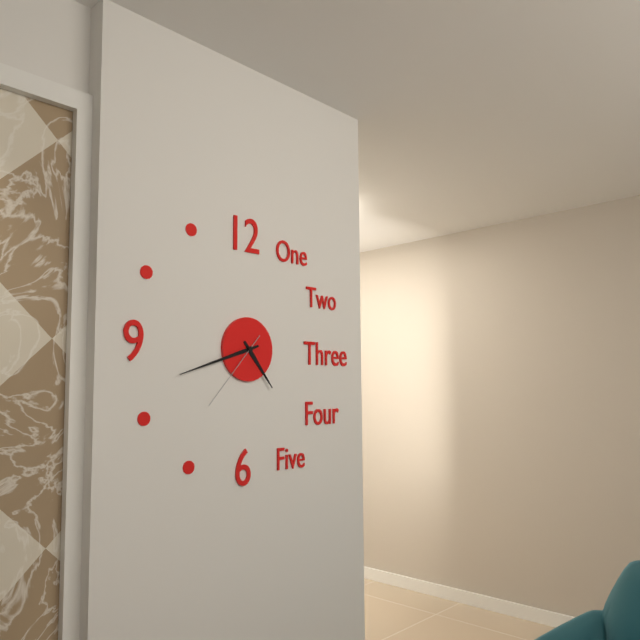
4:42:37
